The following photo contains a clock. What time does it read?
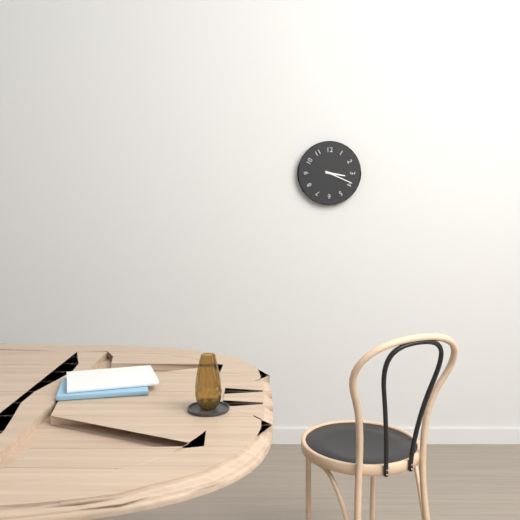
3:19
